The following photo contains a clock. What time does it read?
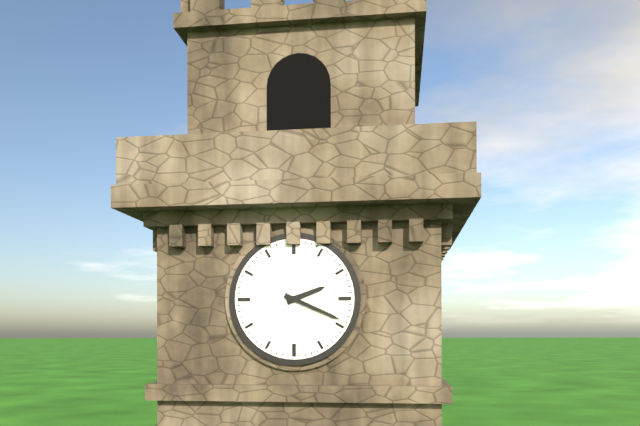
2:19
